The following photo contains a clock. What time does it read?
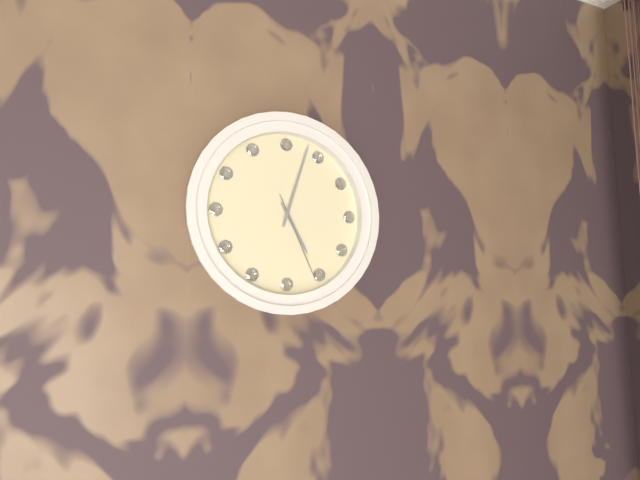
5:03:26
